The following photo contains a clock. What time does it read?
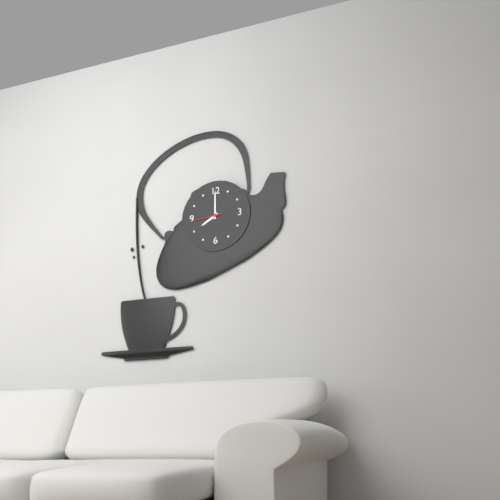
8:00
